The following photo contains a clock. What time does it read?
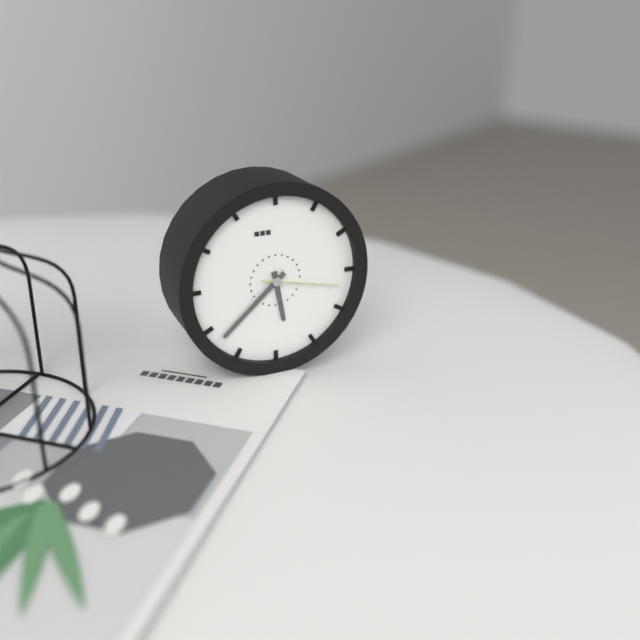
5:38:17
